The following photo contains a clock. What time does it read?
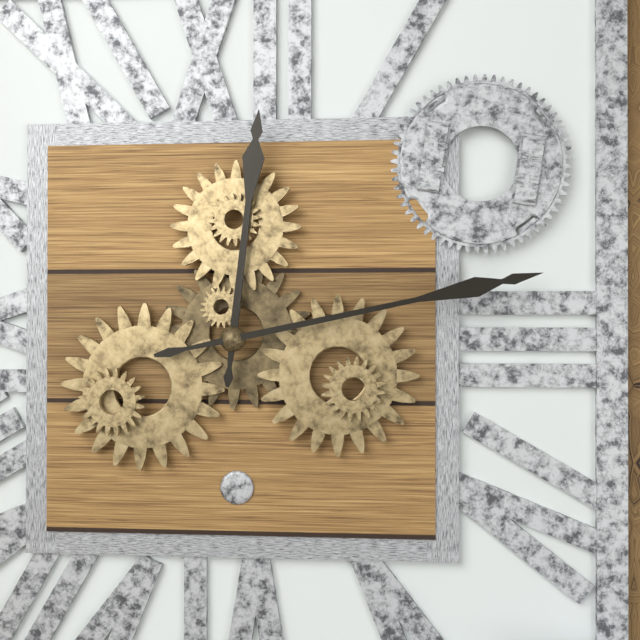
12:13
